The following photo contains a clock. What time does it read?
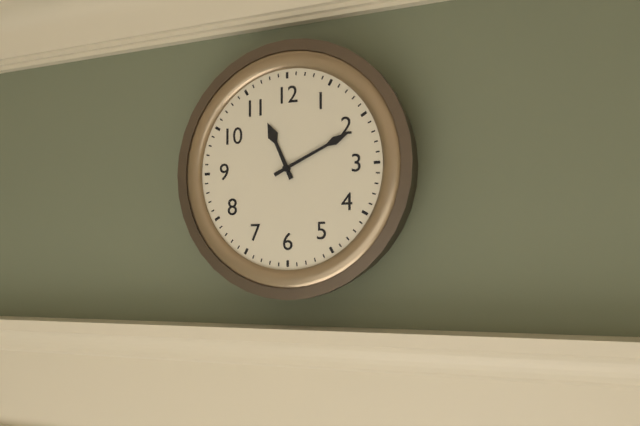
11:11
